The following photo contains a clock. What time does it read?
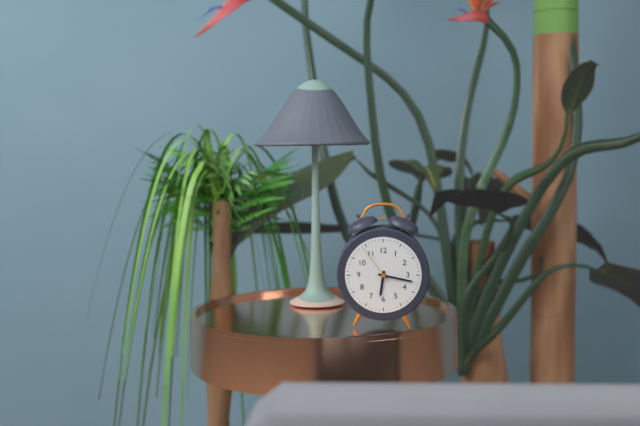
6:17
